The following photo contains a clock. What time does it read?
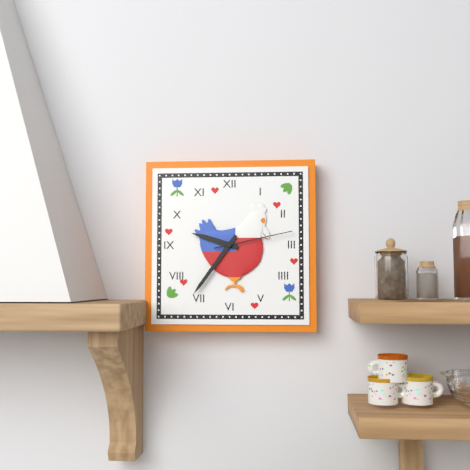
9:36:13
